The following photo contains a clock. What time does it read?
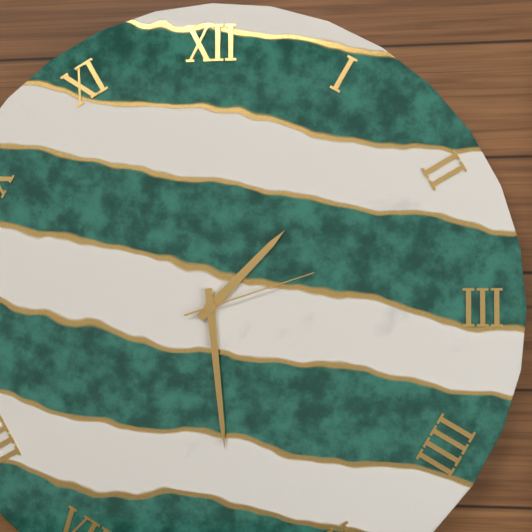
1:29:12
